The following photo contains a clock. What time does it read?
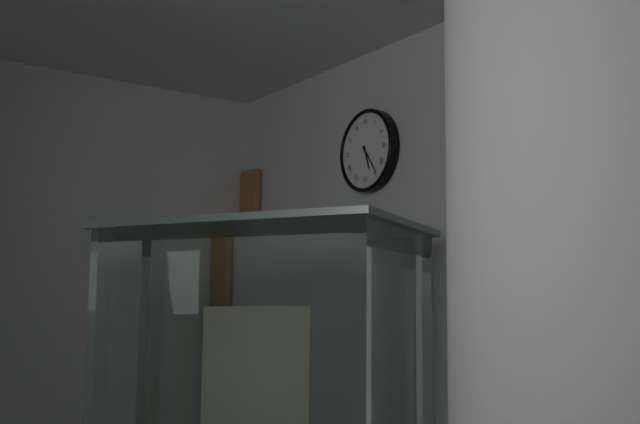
5:24
